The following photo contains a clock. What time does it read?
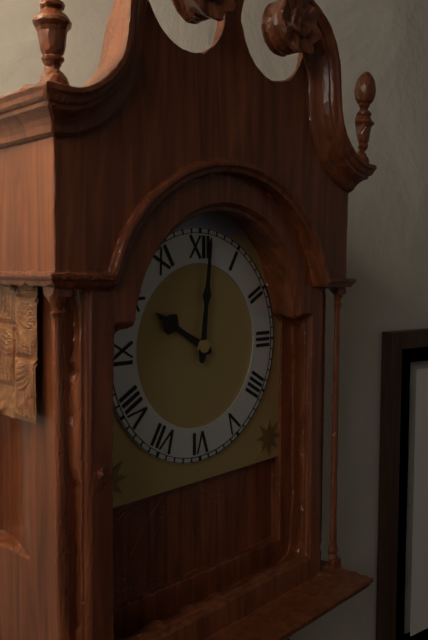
10:01
